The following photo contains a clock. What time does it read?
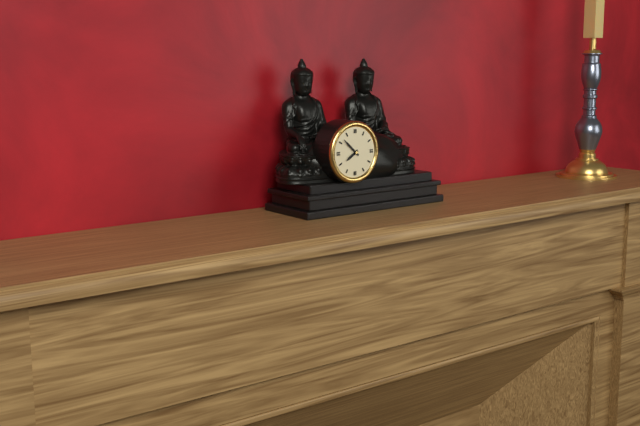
7:52
